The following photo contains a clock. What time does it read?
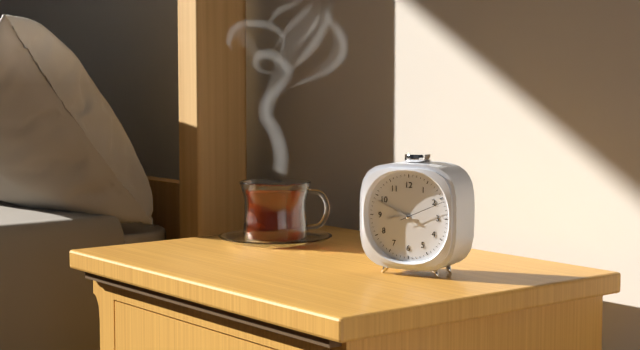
8:49
